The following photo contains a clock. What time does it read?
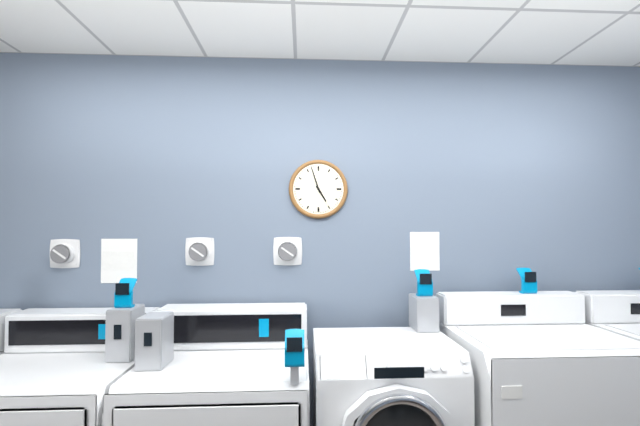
4:57
